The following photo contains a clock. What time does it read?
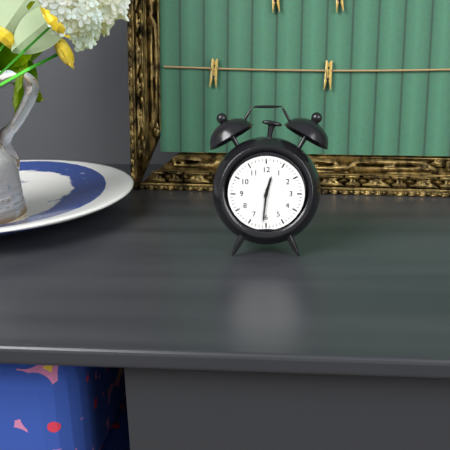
12:31
